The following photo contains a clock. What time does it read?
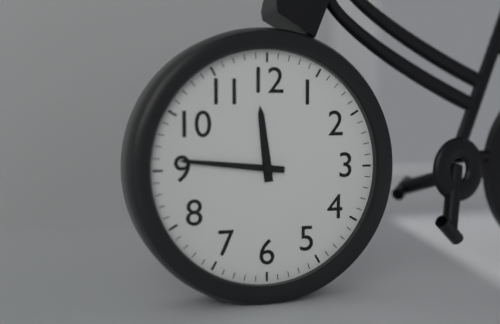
11:46
